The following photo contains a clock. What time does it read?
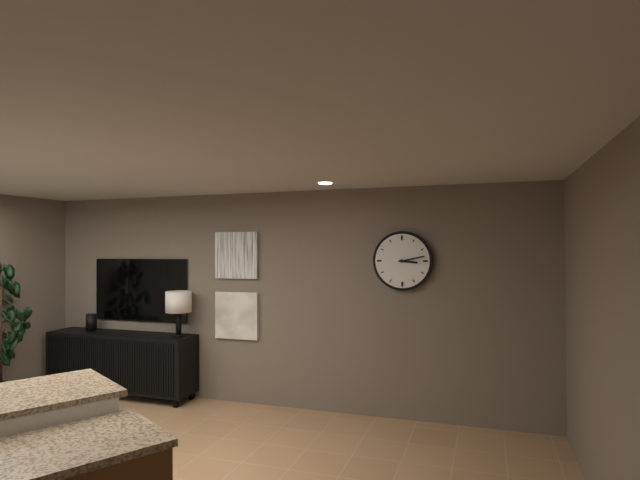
3:13
